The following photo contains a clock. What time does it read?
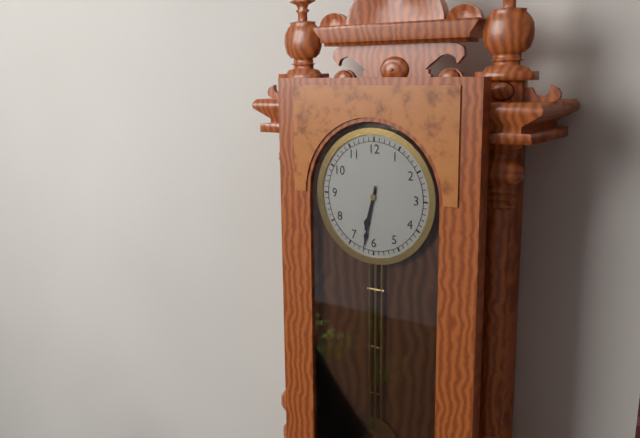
6:32
